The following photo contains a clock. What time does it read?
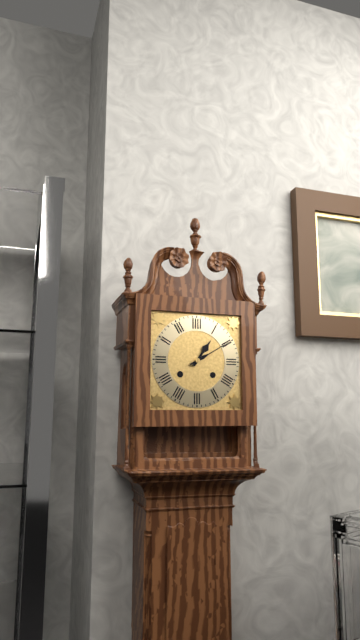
1:10
